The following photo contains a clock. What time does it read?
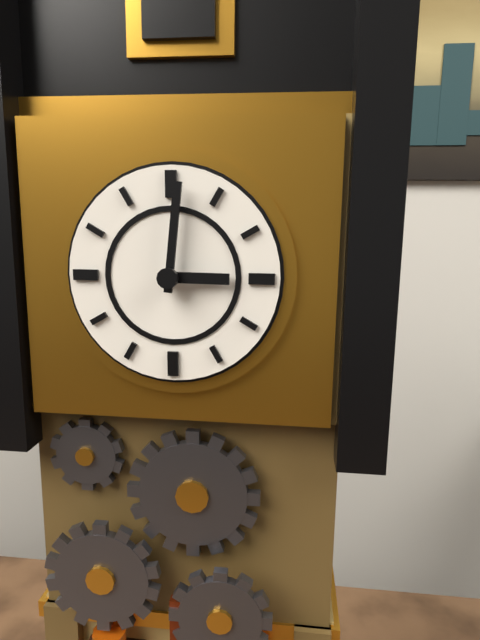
3:01
